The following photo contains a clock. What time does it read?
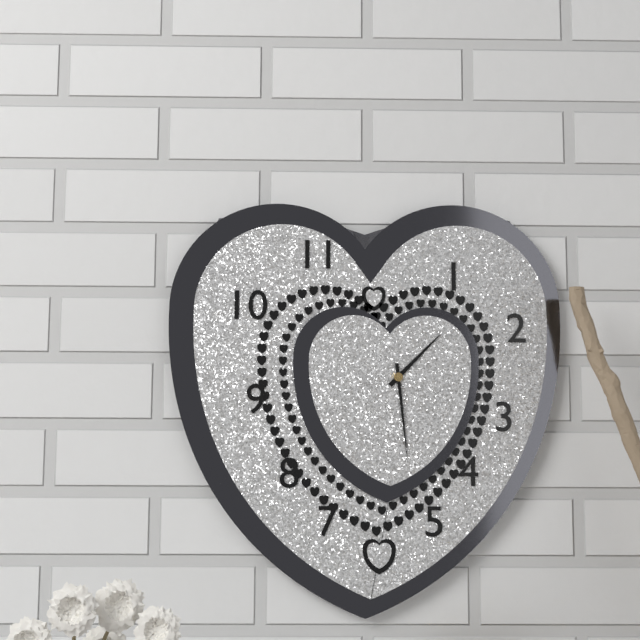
1:29
